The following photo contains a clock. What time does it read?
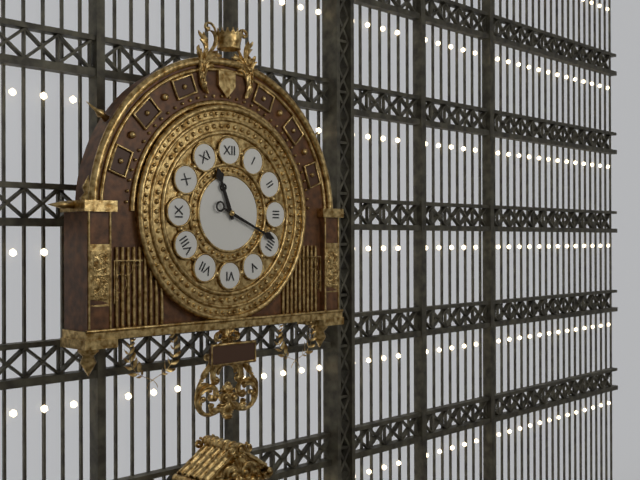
11:19
